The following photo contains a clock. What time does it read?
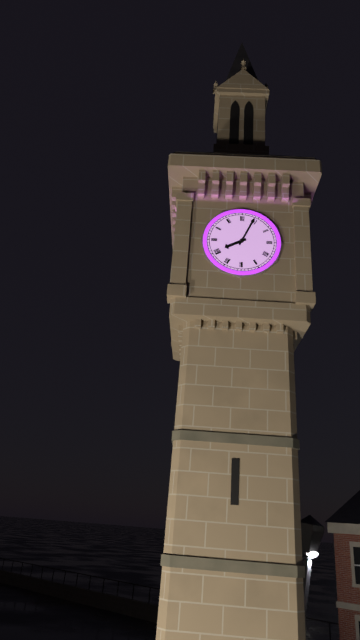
8:04
